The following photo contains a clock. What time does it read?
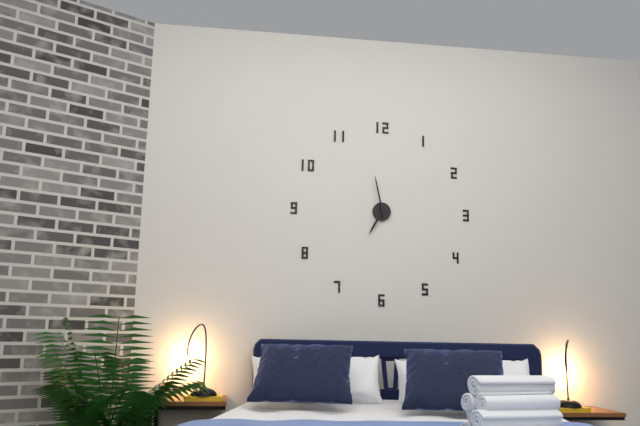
6:58
